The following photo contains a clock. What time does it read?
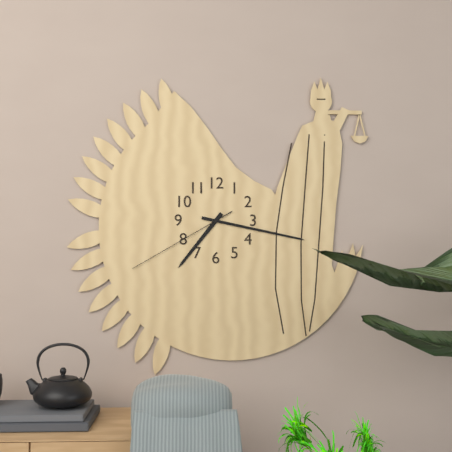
7:17:40
